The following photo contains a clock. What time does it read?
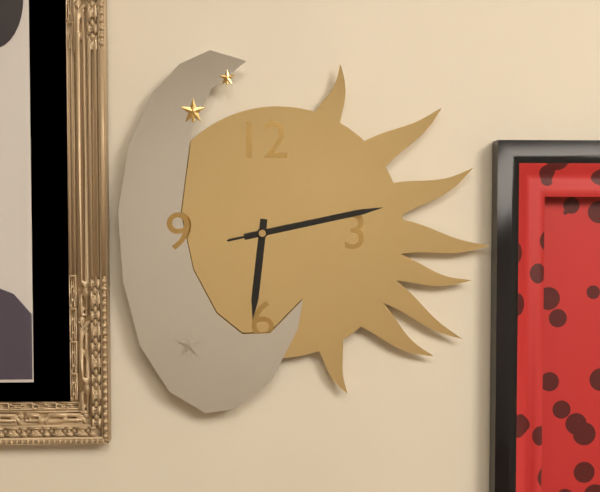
6:13:13
